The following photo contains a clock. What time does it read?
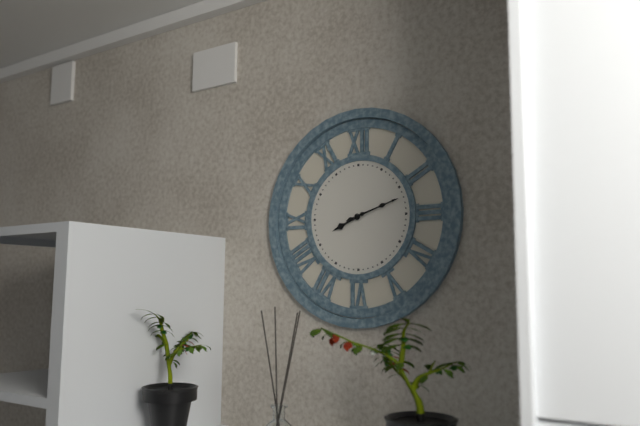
8:12
